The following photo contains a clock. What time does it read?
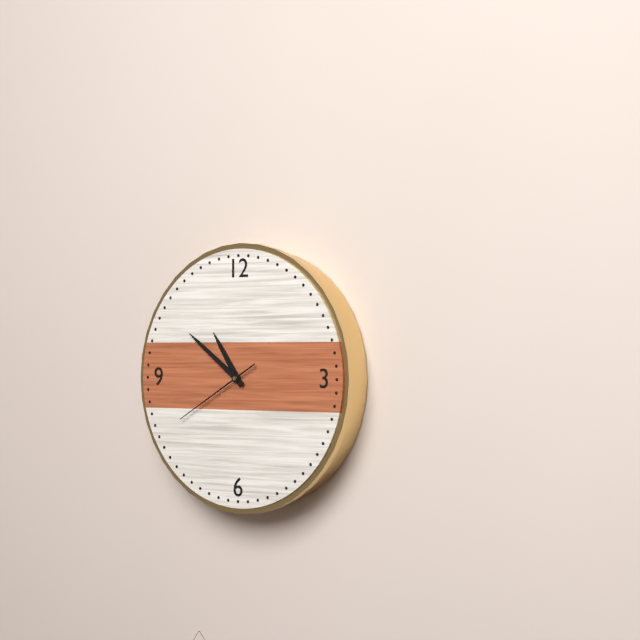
10:51:40
